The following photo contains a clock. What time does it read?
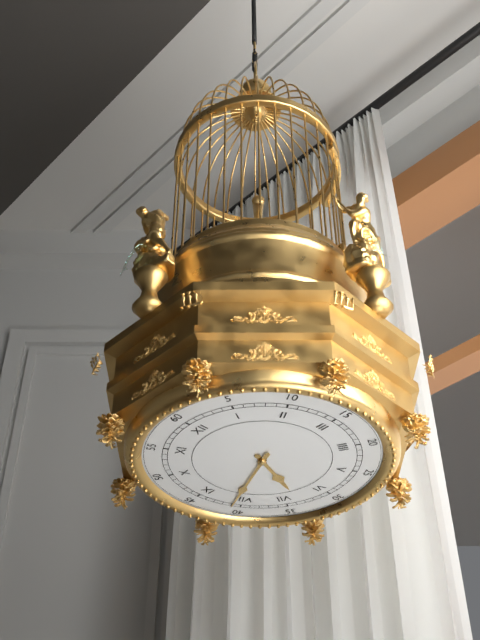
6:41
